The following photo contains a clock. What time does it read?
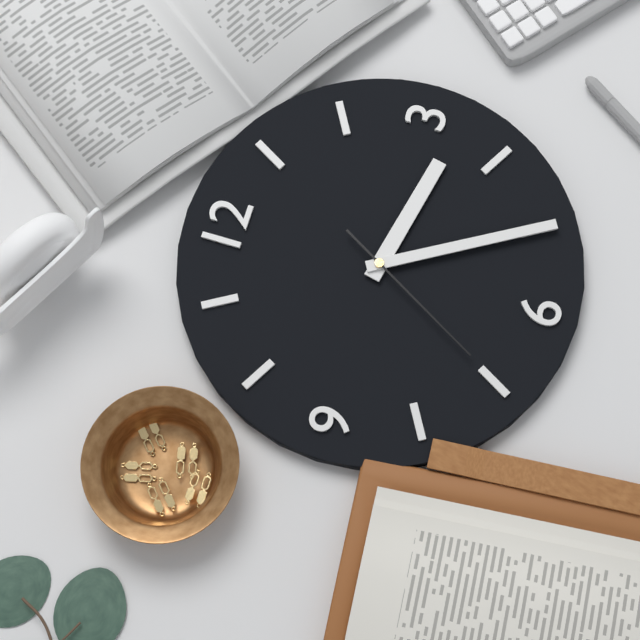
3:25:35
